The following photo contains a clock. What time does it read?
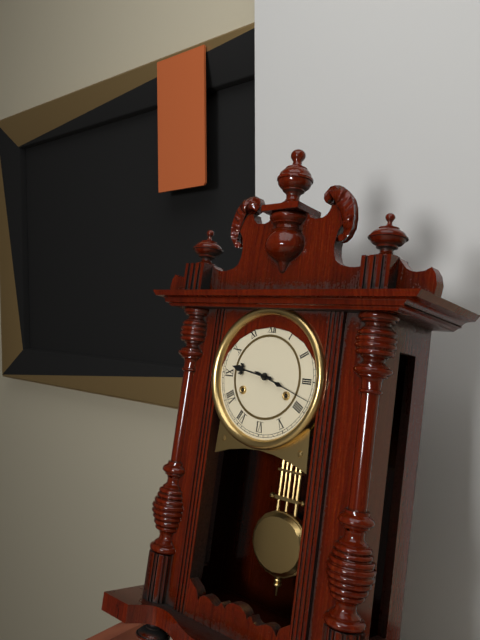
9:18
